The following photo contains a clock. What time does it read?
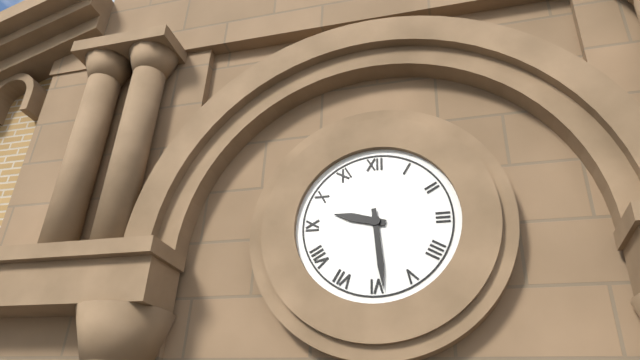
9:29
